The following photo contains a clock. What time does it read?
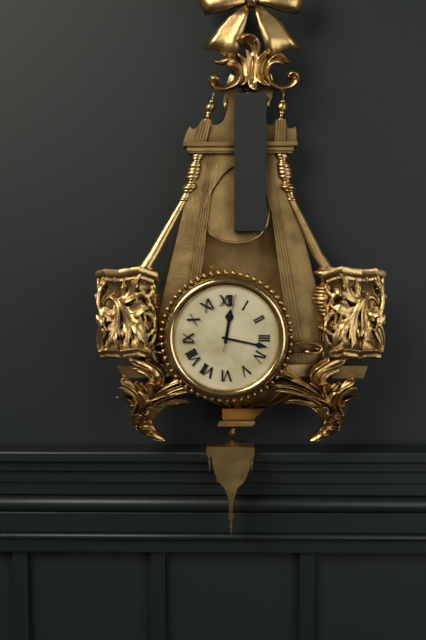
12:17
